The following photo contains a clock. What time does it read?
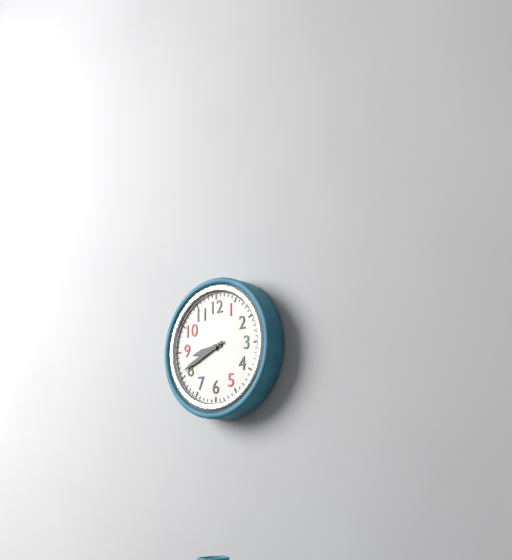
8:41
